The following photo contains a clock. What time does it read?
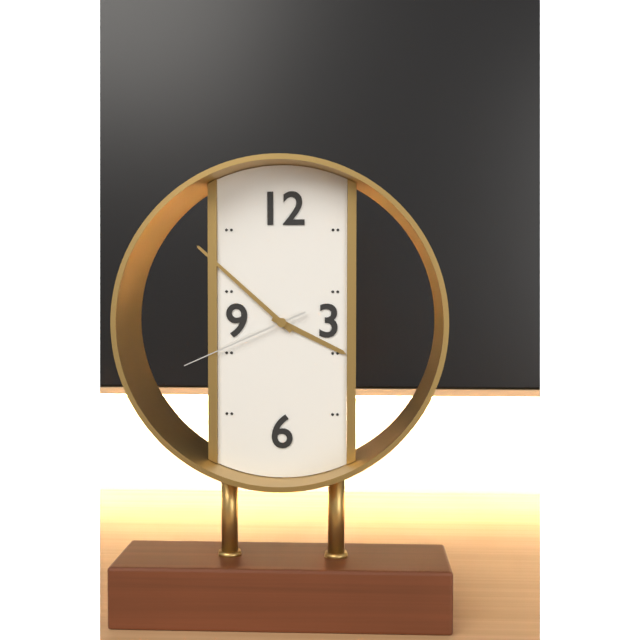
3:52:41
